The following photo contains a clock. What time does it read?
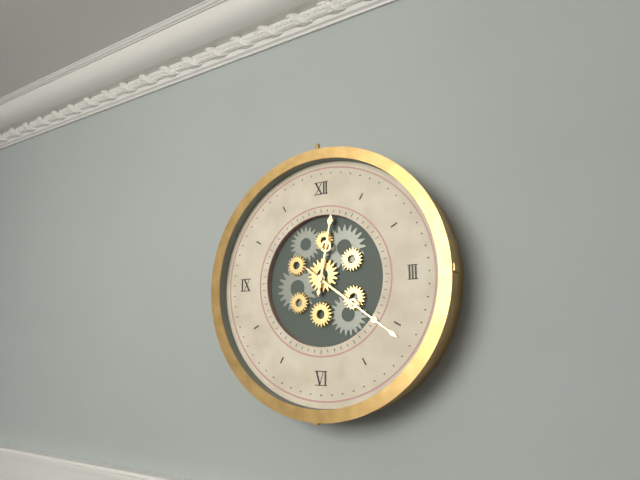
12:21
